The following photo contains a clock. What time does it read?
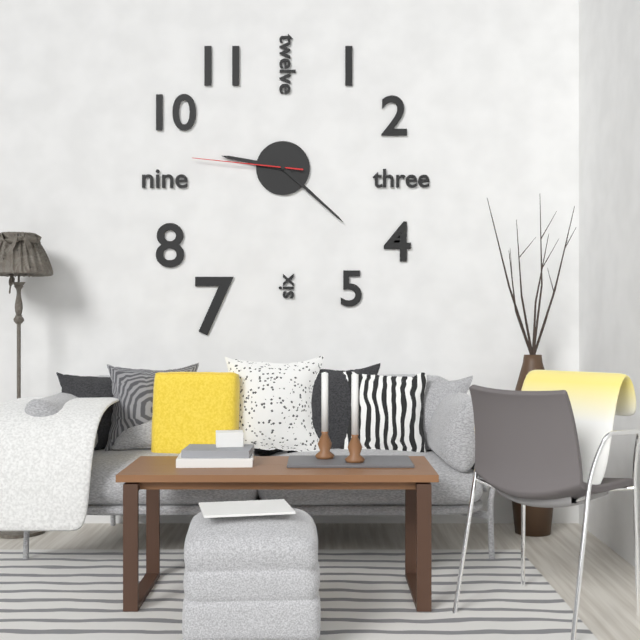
9:22:46
